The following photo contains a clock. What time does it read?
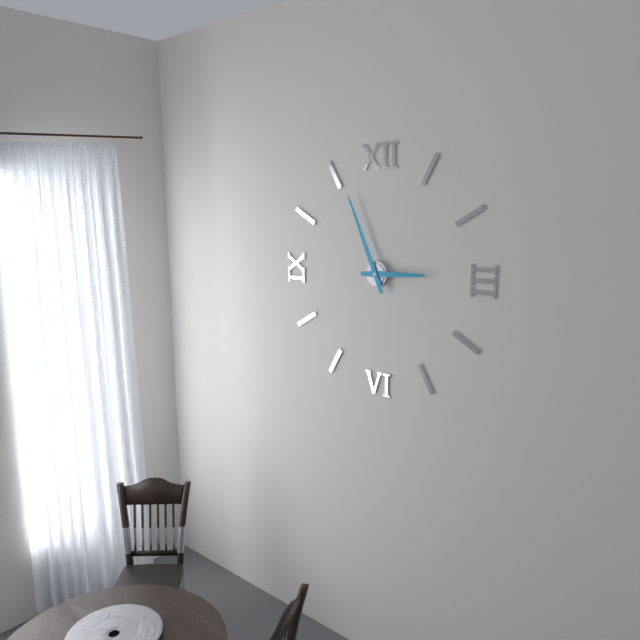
2:56
